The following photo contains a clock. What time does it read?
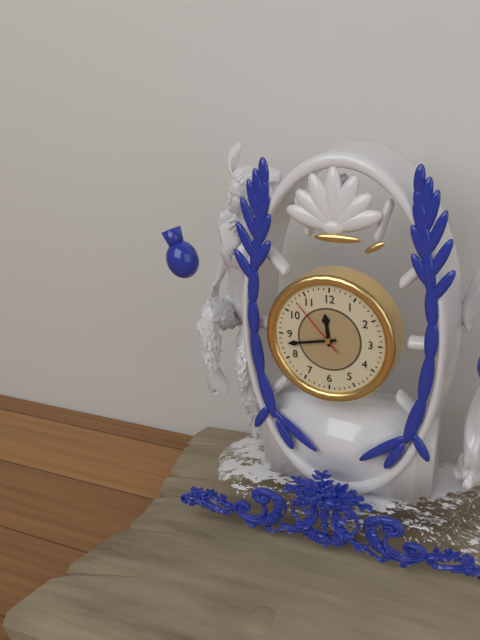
11:43:53
